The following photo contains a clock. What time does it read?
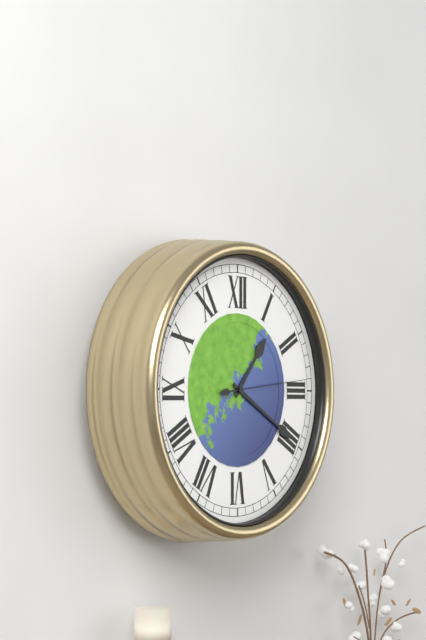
1:20:14
